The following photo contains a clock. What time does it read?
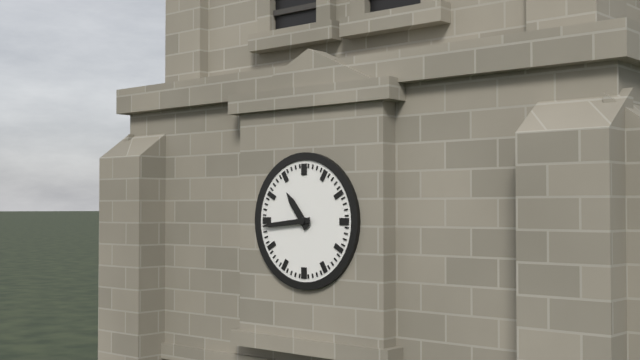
10:44
